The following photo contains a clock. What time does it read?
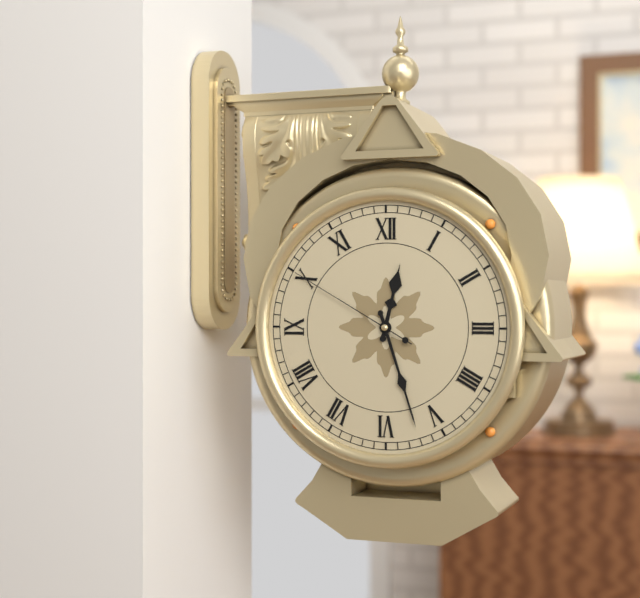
12:27:50
